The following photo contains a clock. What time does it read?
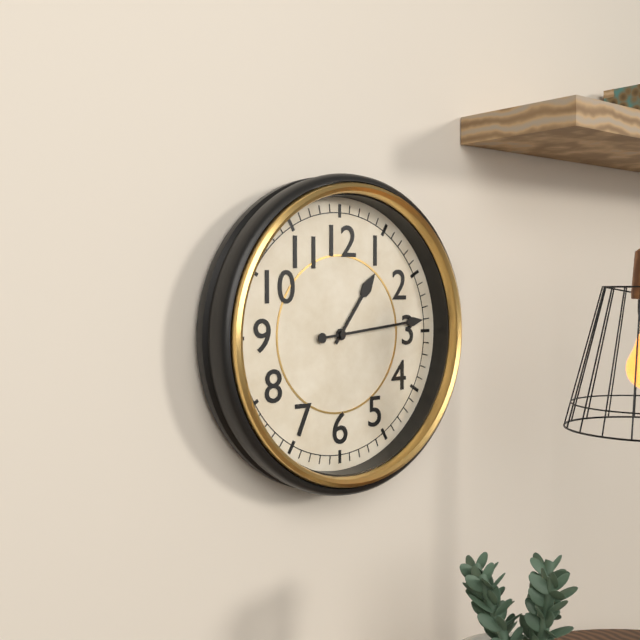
1:14
